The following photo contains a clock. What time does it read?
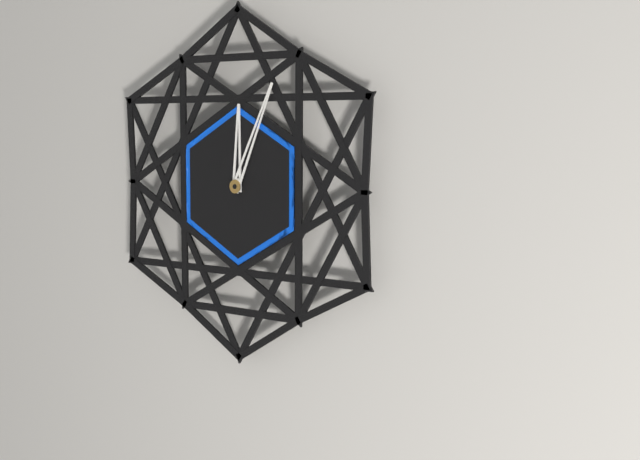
12:04
